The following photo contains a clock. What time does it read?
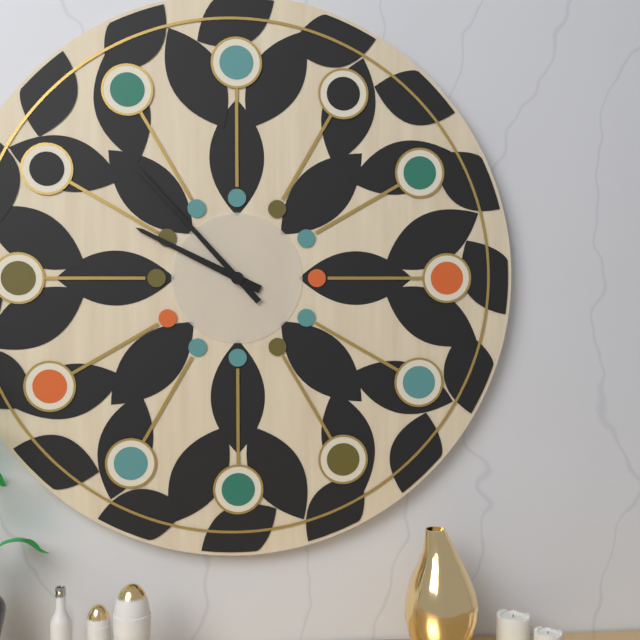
9:53
